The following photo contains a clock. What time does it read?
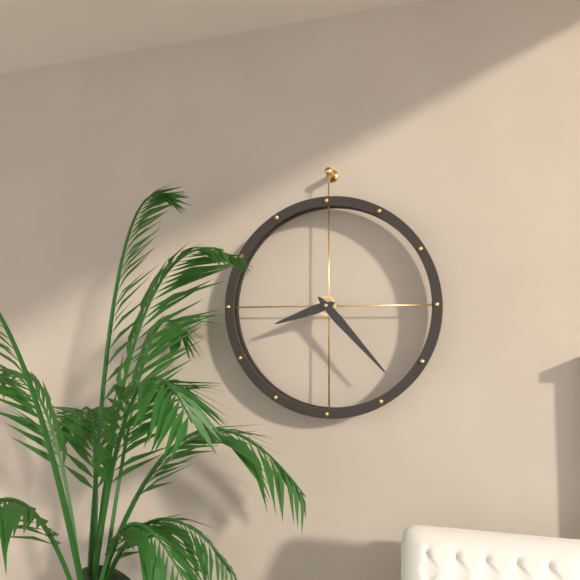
8:23
